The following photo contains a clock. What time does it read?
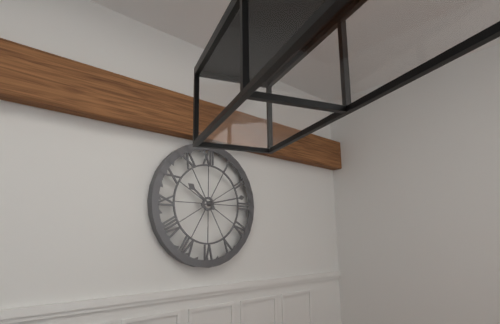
10:13
